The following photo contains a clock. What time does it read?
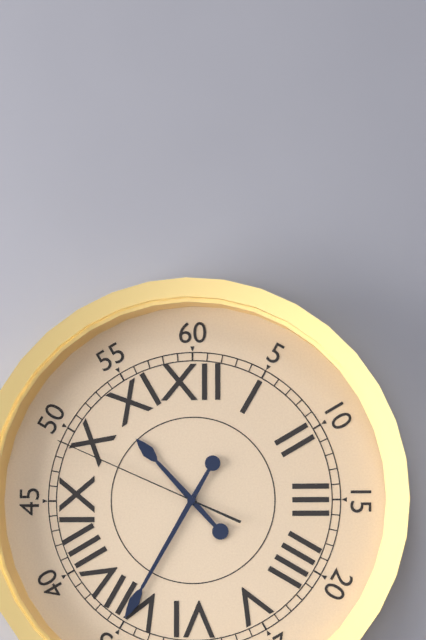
10:35:49
